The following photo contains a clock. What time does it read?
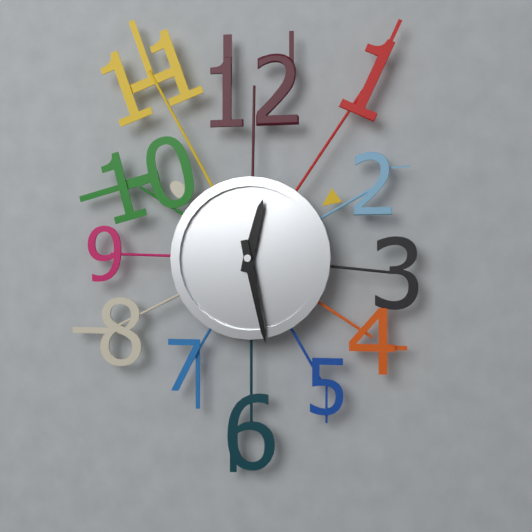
12:28
